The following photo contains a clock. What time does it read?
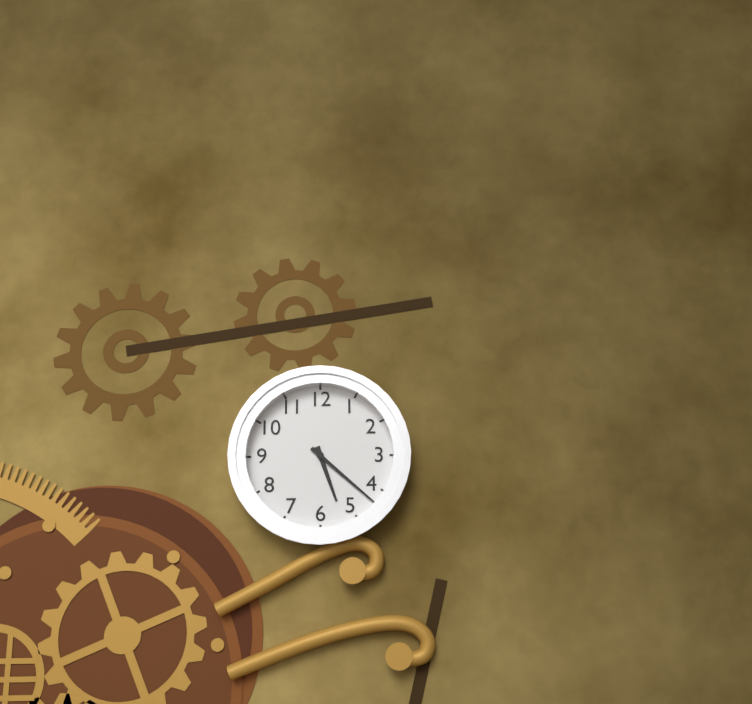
5:22
